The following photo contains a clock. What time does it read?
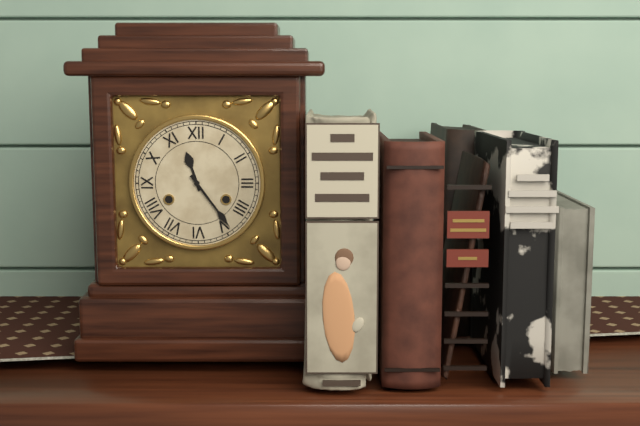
11:24
